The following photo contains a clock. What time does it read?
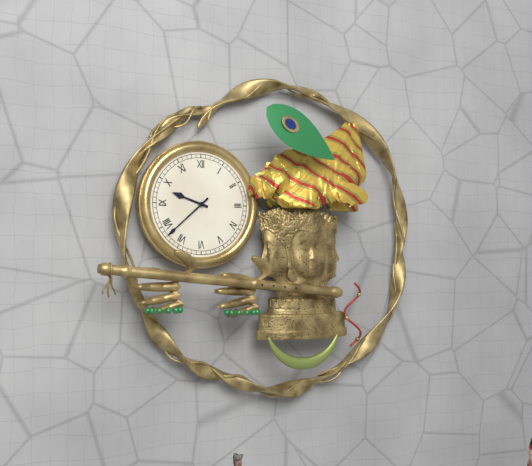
9:38
